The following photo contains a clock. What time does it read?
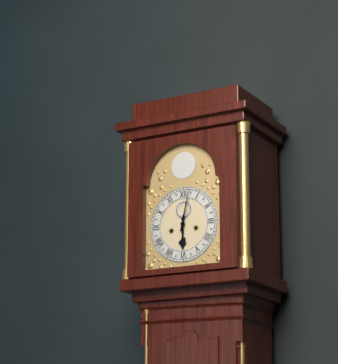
6:02
